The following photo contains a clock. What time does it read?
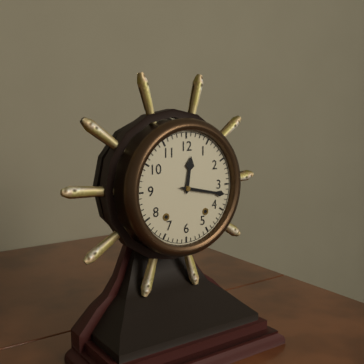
12:17
